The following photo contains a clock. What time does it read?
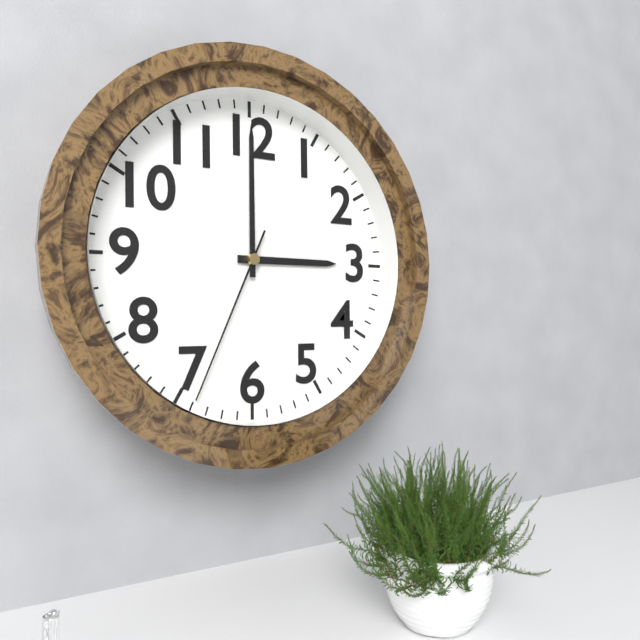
3:00:34
